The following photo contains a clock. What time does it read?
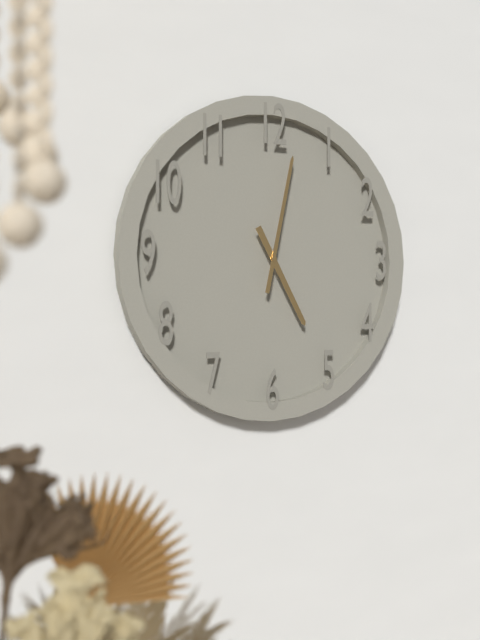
5:02
